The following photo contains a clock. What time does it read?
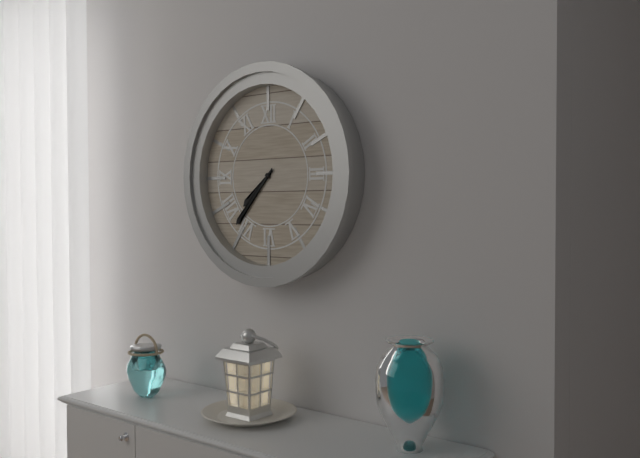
7:37
